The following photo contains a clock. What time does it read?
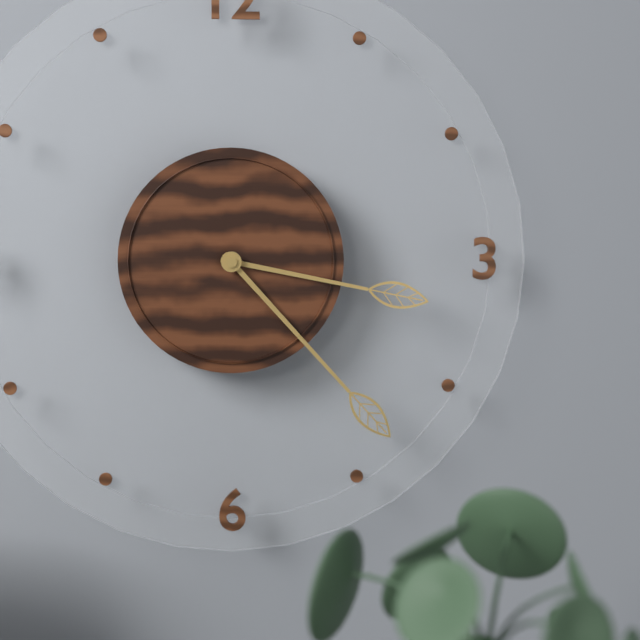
3:23
